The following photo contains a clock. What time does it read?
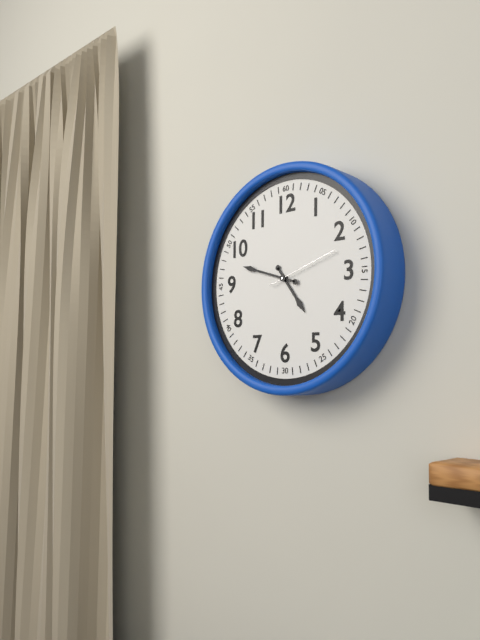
4:48:12
